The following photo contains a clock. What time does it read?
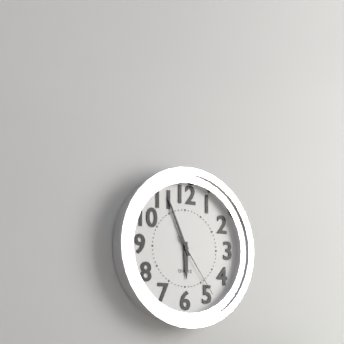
5:56:24
